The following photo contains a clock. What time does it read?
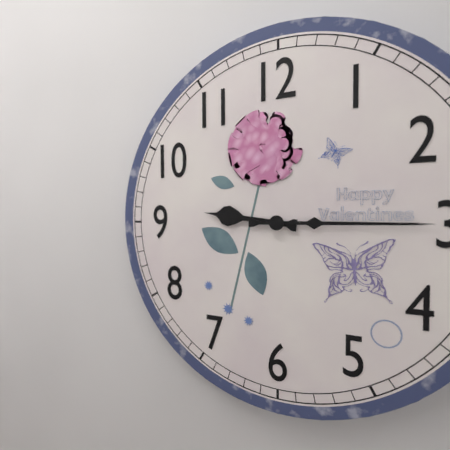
9:15
